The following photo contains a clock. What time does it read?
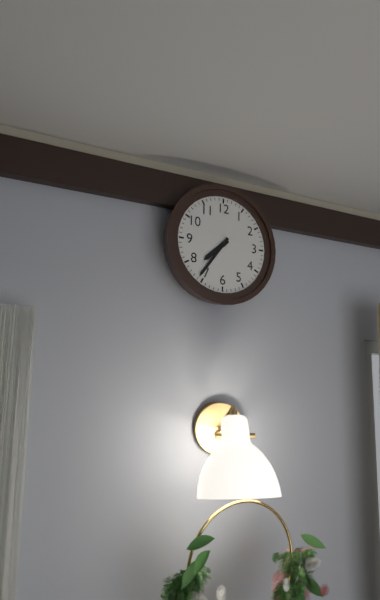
7:36
